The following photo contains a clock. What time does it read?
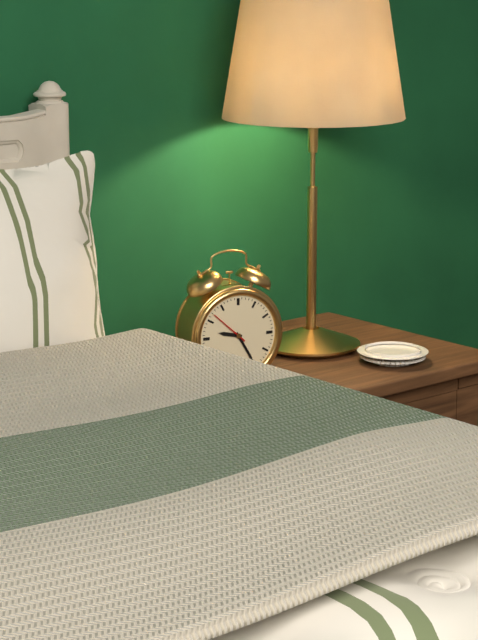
9:25
